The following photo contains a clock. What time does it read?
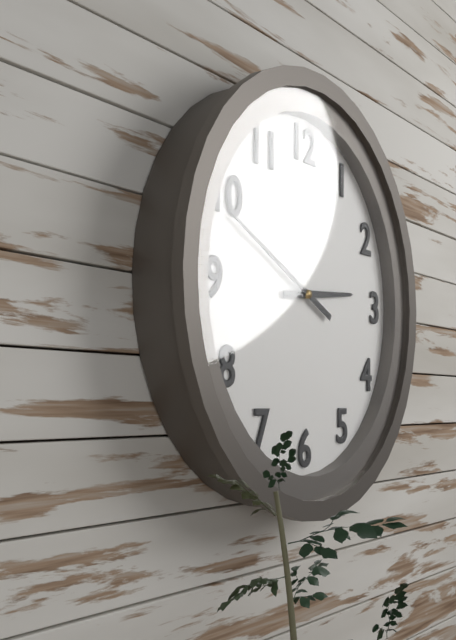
2:49
